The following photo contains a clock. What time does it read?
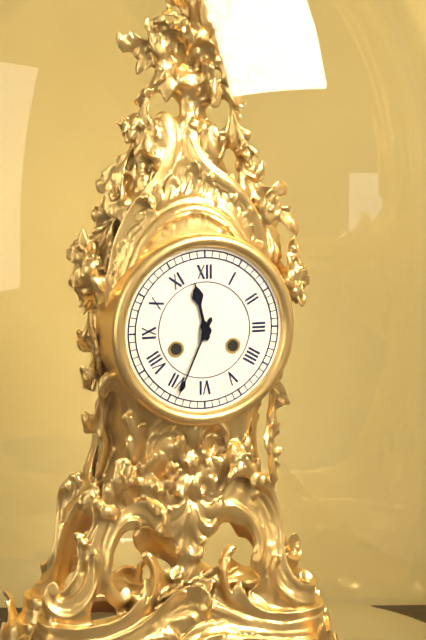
11:34
